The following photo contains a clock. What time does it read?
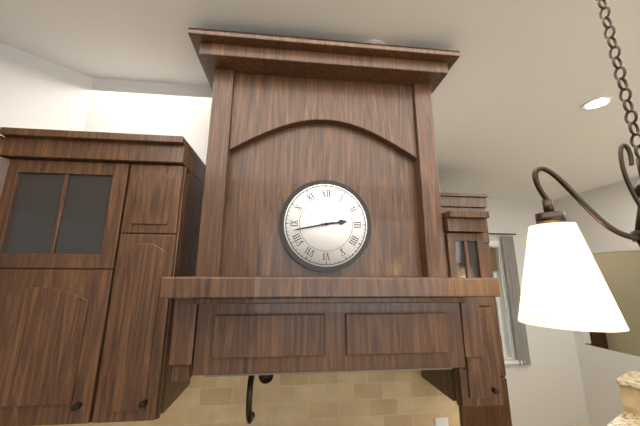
2:43
